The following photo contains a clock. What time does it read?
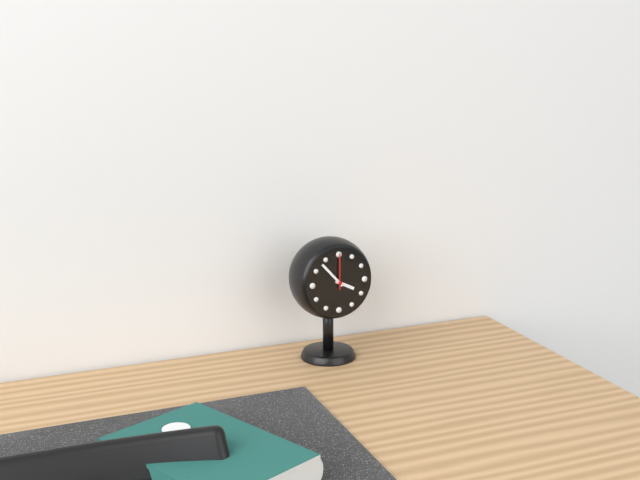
3:53
